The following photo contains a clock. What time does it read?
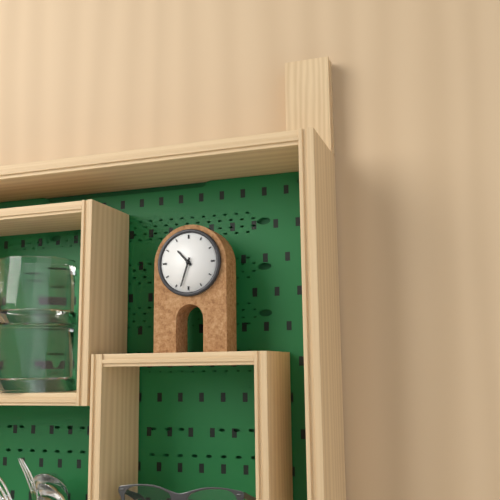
10:33
